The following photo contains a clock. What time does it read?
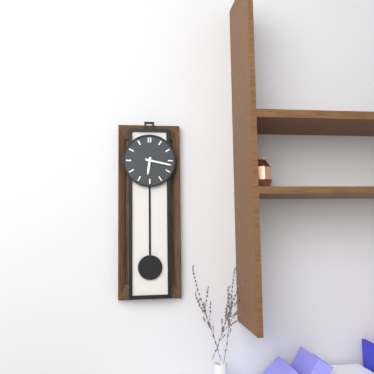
6:17
